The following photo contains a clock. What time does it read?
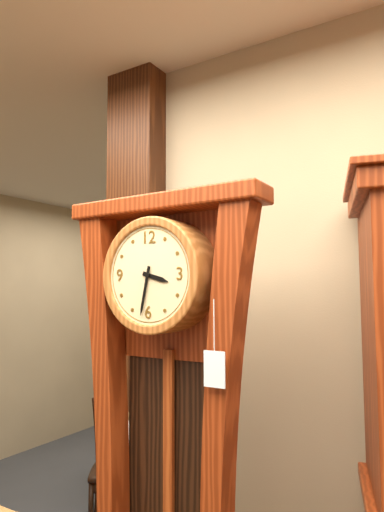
3:32
